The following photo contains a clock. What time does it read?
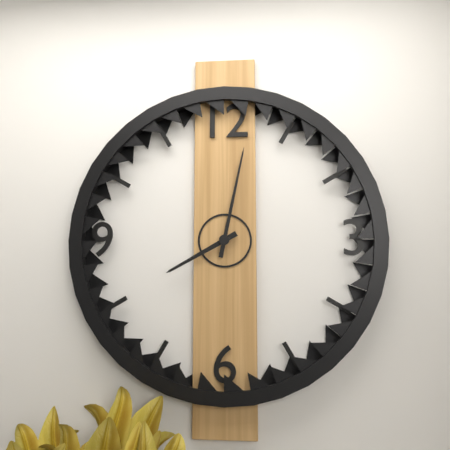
8:02
